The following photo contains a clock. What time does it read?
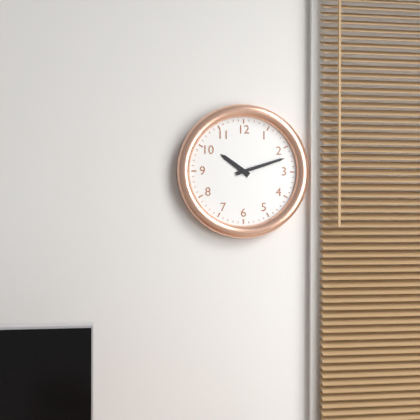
10:12
